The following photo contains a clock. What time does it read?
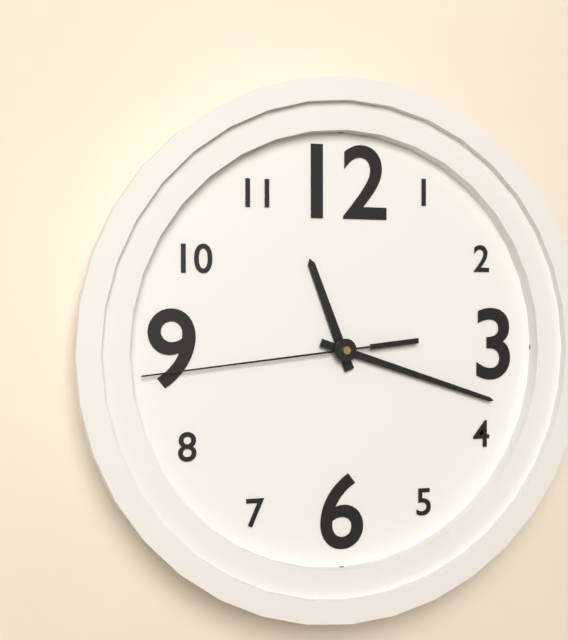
11:18:44
